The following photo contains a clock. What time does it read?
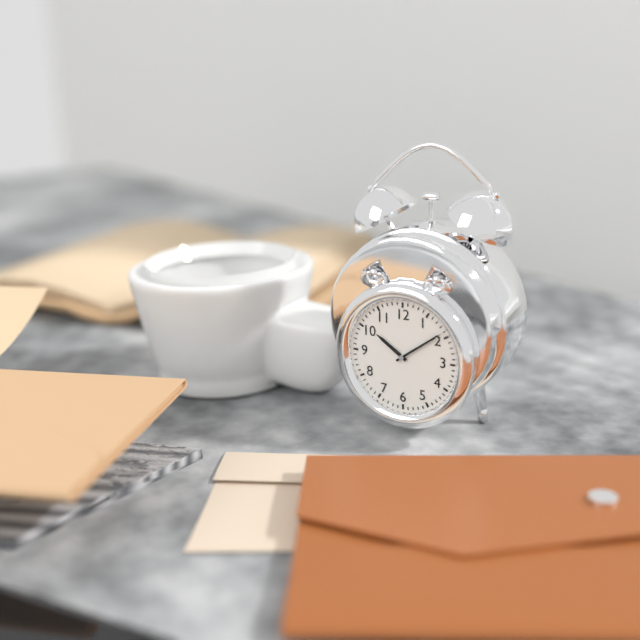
10:09
